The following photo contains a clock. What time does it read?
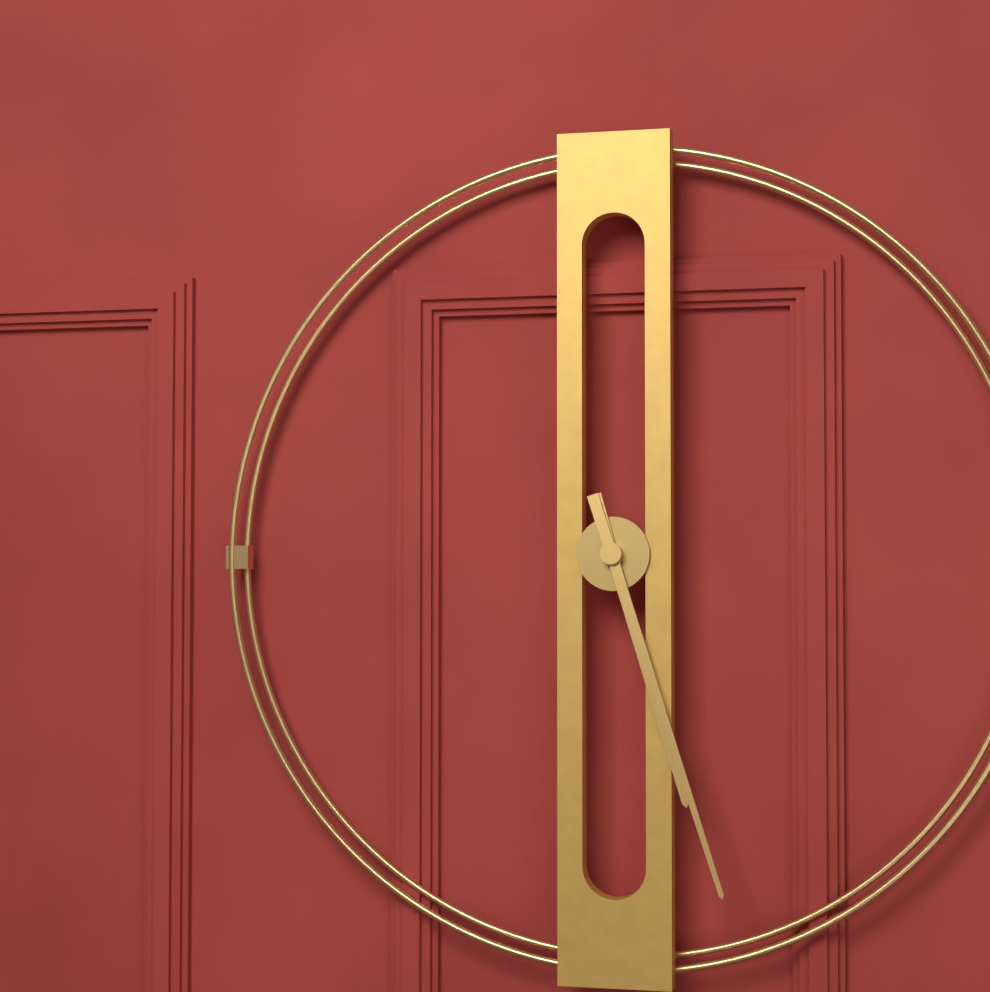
5:27
